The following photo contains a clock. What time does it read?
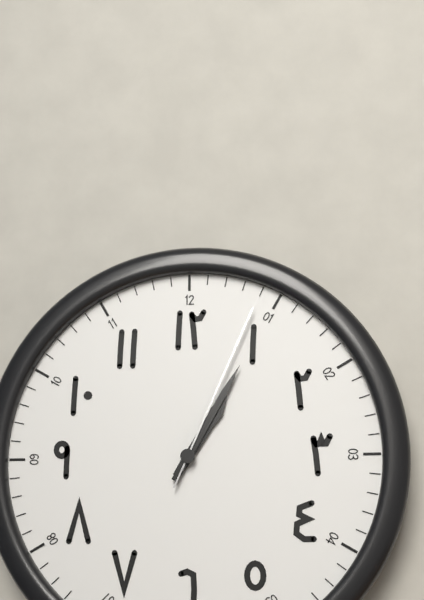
1:05:04
